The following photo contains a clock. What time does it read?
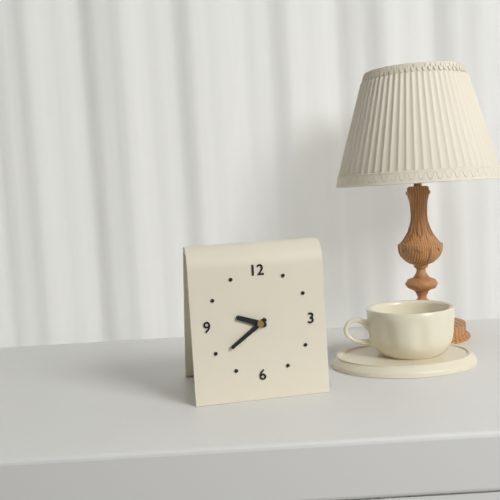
9:39
